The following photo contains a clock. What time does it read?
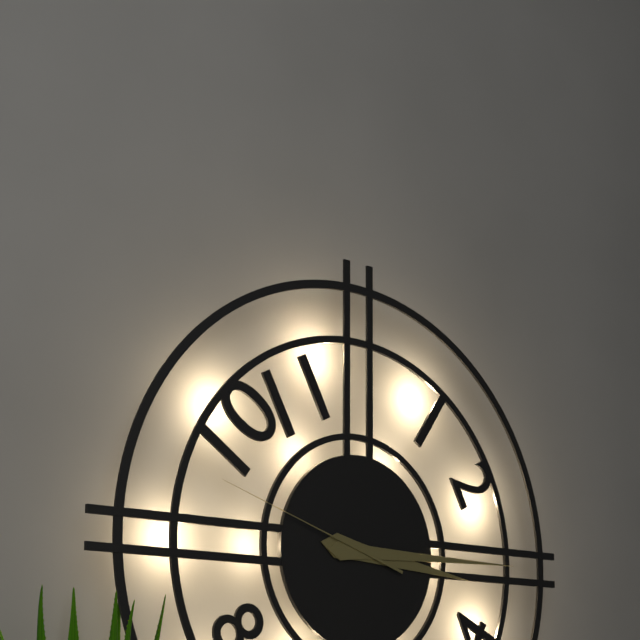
3:15:48
